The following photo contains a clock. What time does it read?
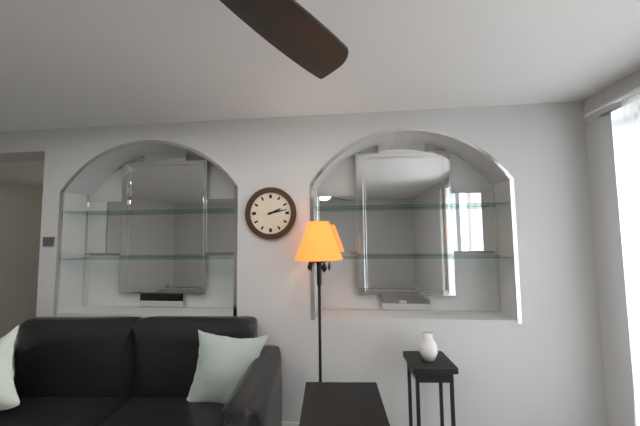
2:13
